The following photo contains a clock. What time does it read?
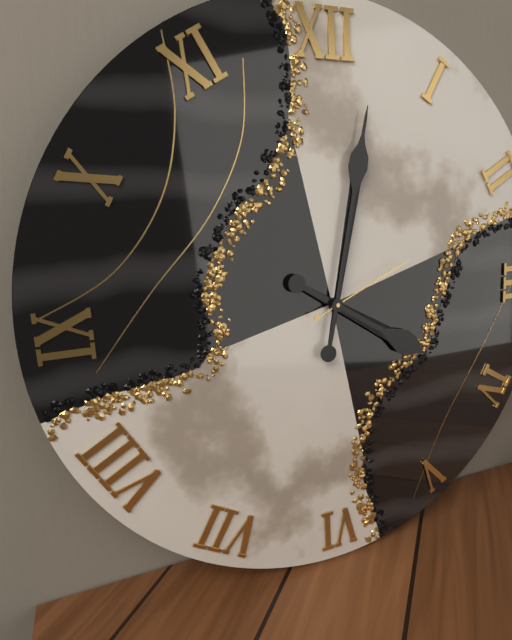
4:02:11
